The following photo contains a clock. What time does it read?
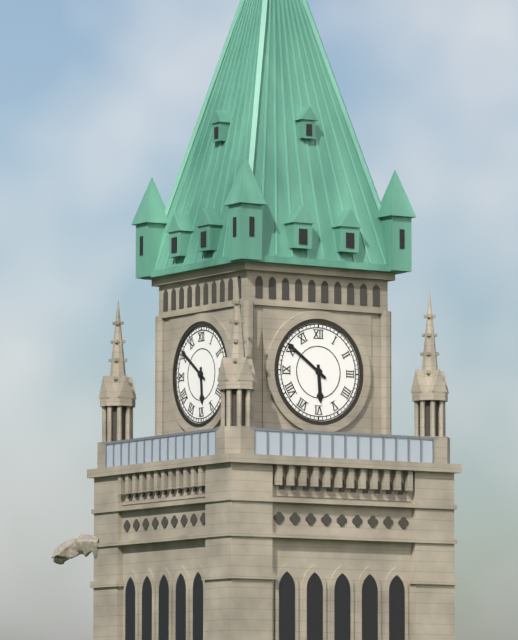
5:51
